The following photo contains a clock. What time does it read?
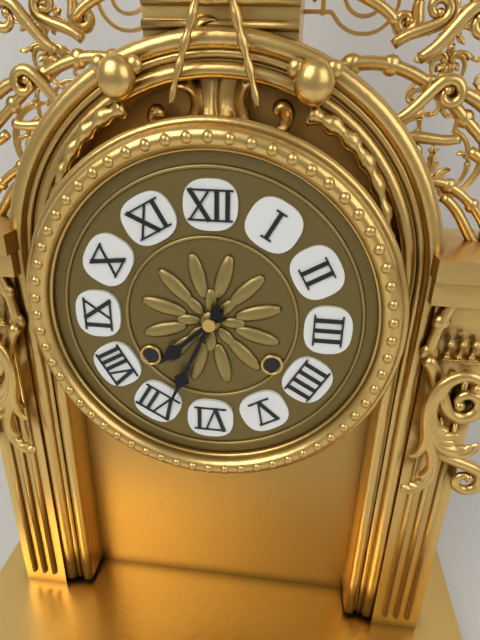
7:34
